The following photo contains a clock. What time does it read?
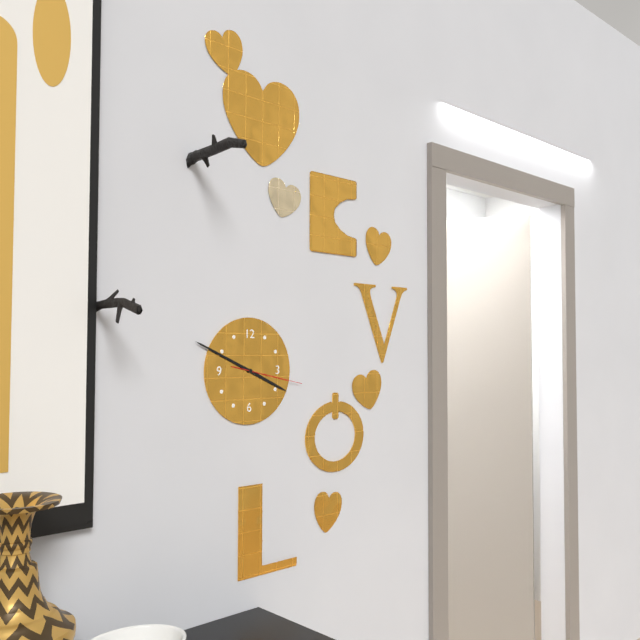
3:49:17
